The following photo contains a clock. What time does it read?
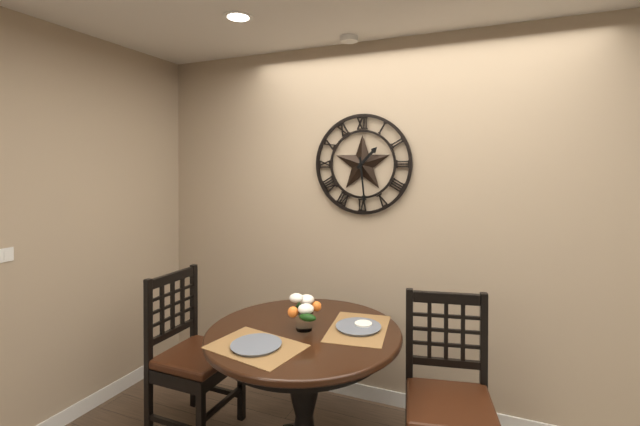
1:29
